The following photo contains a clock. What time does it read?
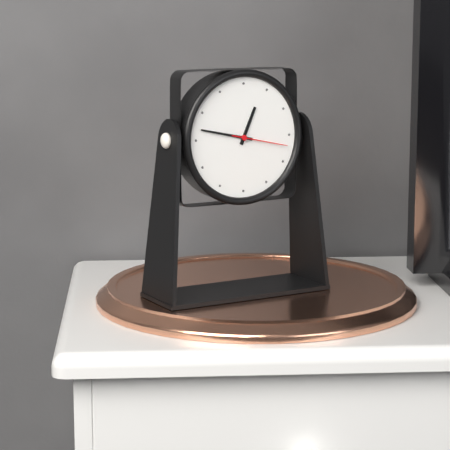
12:47:17
